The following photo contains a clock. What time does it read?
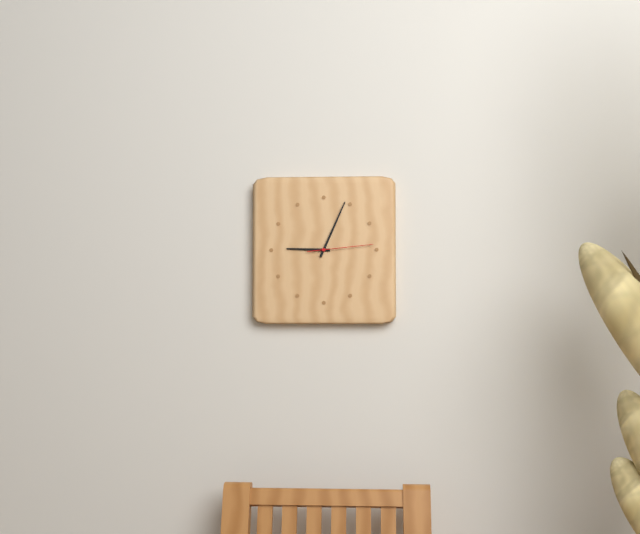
9:04:14
